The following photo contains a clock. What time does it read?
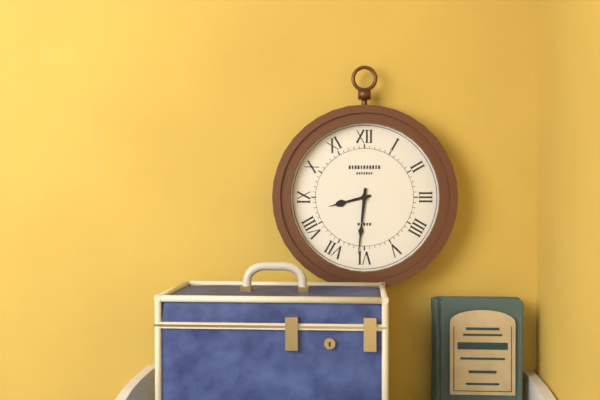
8:31
